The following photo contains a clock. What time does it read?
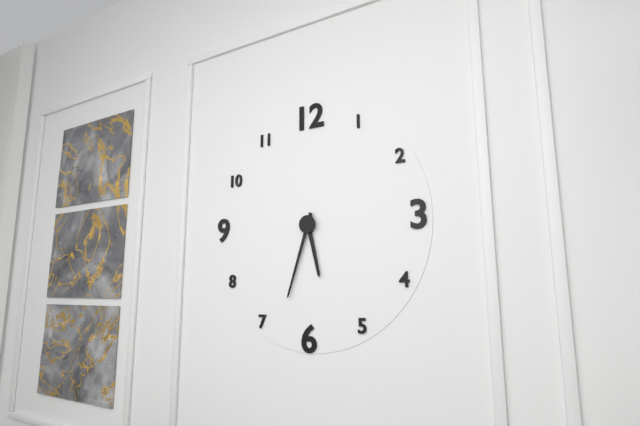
5:33
